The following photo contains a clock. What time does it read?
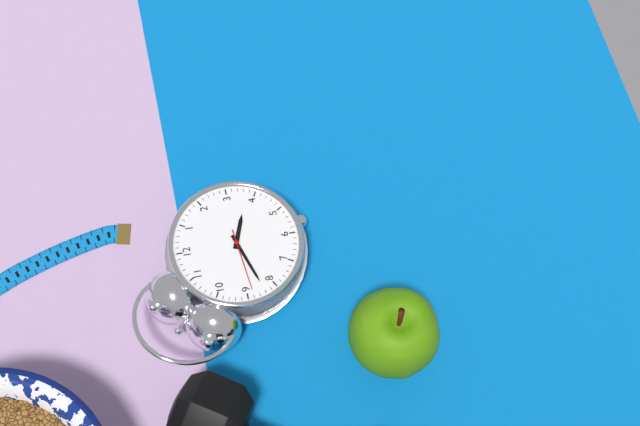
3:42:44
